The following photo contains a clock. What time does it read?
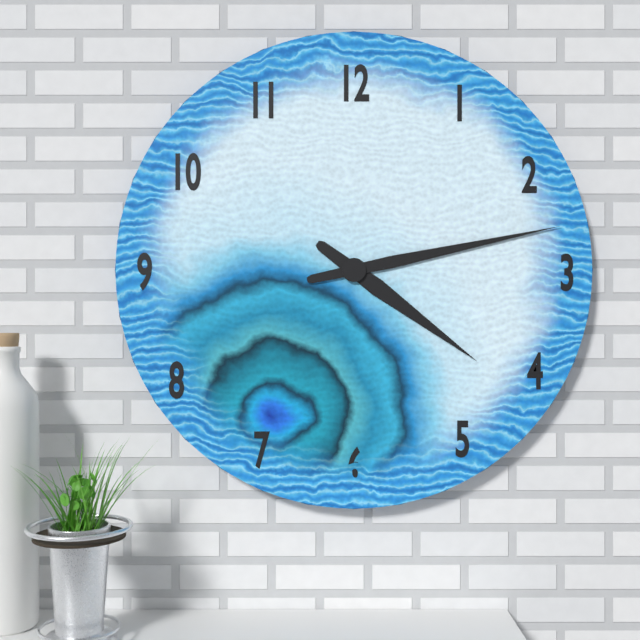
4:13
